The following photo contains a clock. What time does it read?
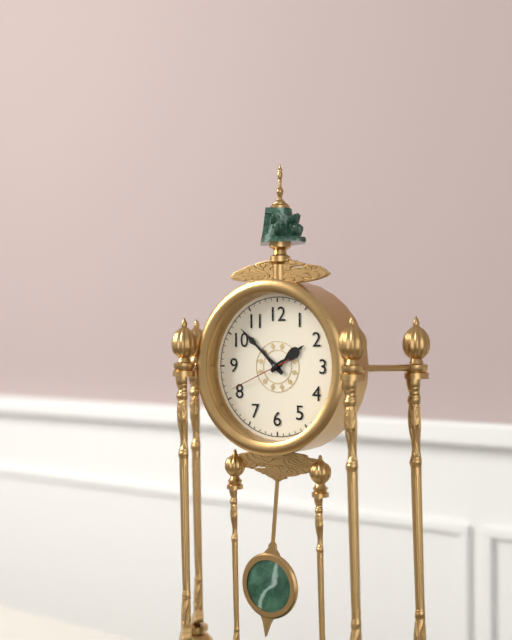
1:52:41
